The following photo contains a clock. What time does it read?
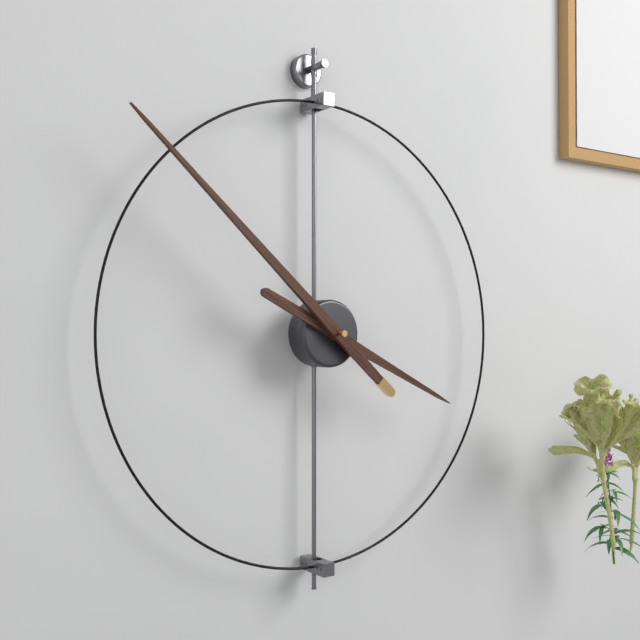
3:52
